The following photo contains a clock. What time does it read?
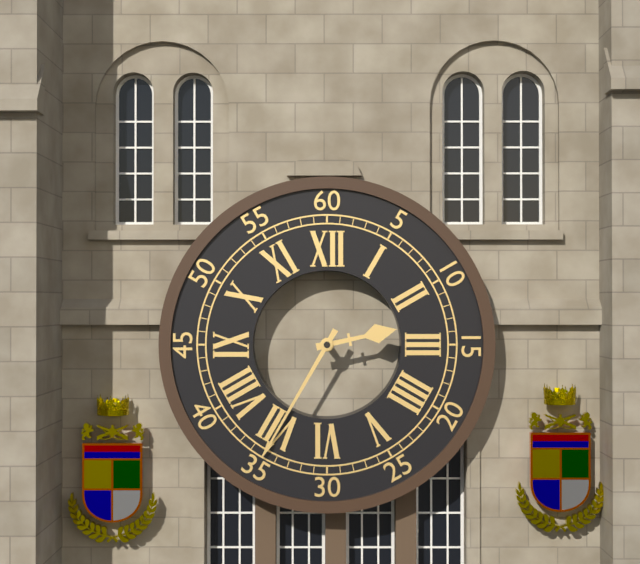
2:35
